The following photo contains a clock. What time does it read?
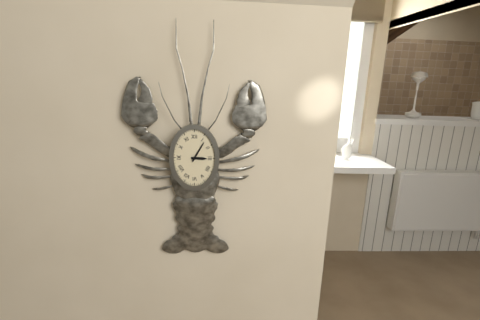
3:05
